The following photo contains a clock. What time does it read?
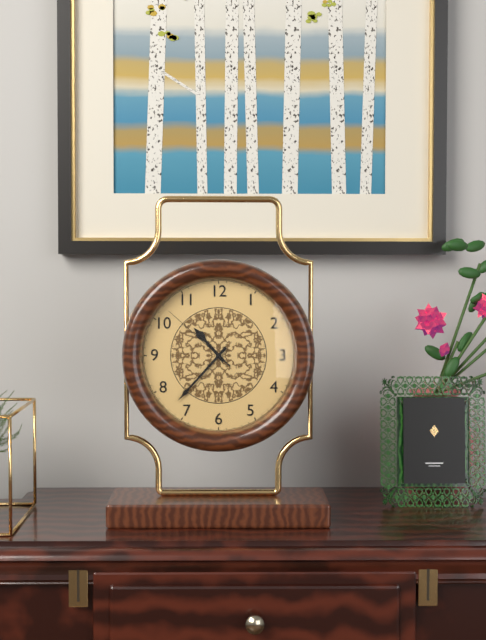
10:37:52
